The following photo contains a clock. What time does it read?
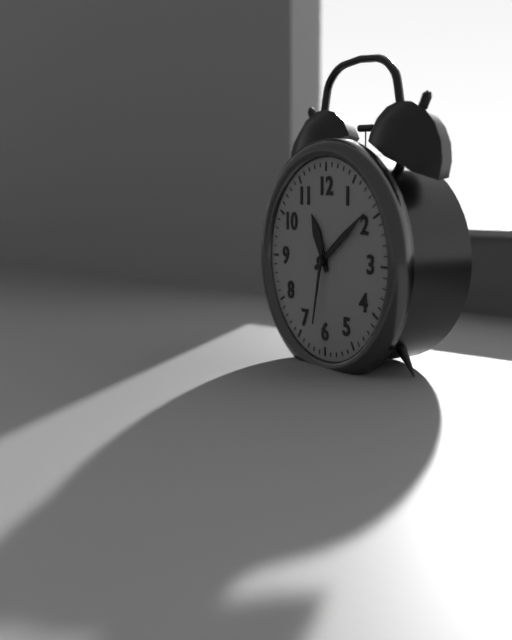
11:09:32
